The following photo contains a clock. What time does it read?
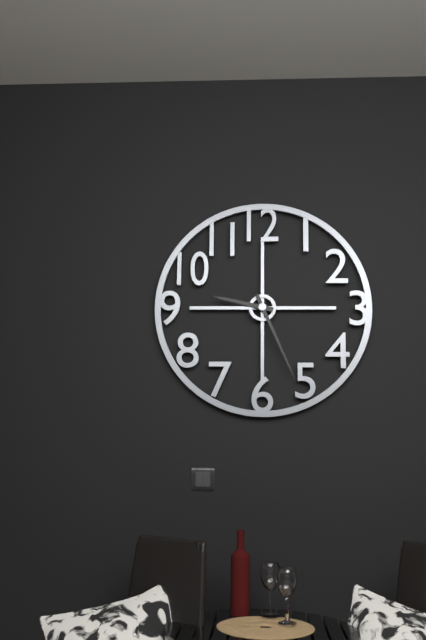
9:26
